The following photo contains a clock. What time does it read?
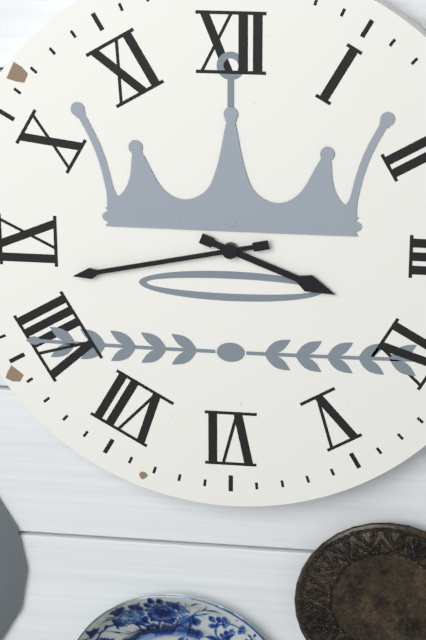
3:43
